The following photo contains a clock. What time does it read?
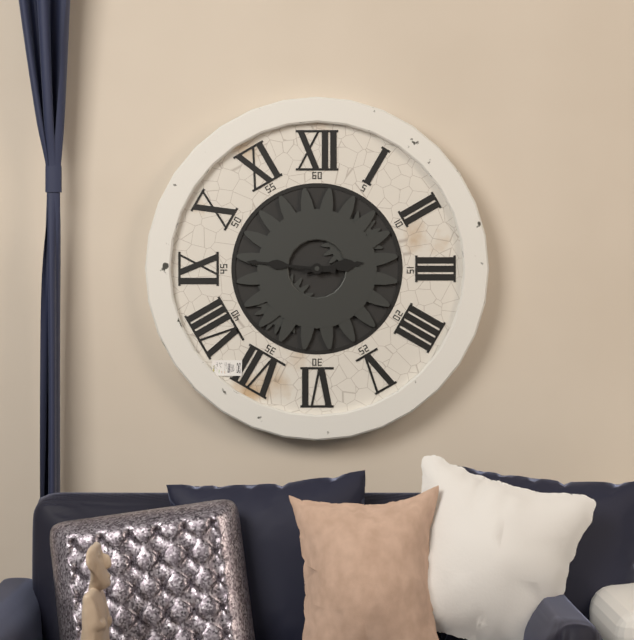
2:46
